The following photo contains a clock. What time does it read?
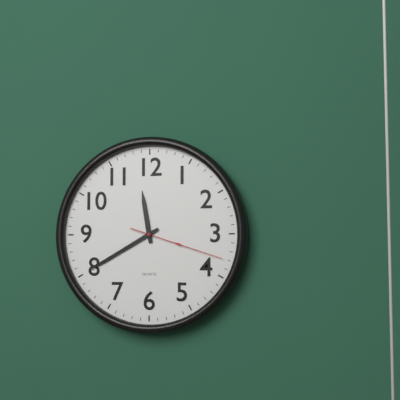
11:40:18
